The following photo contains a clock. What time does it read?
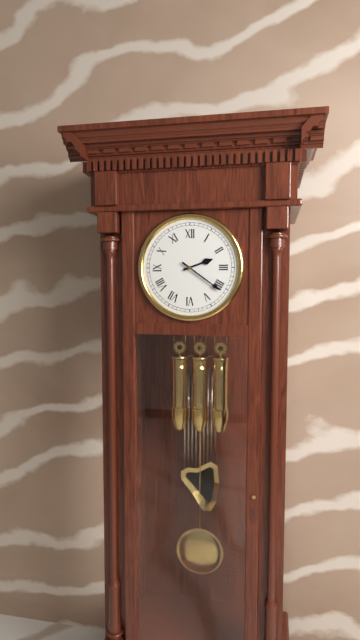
2:21
